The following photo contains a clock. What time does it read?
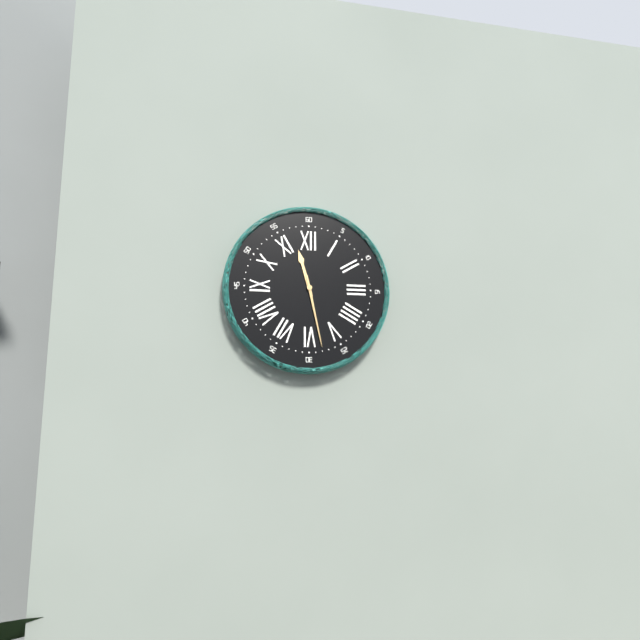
11:28
